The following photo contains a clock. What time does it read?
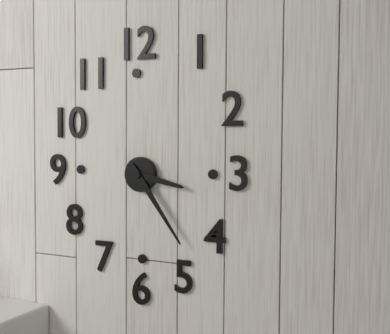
3:24
